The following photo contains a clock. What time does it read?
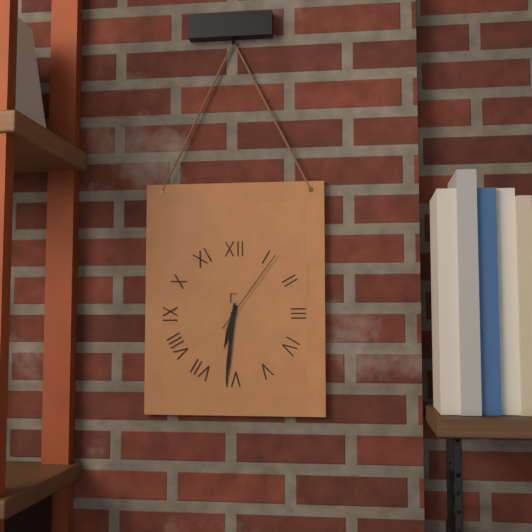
6:31:06
